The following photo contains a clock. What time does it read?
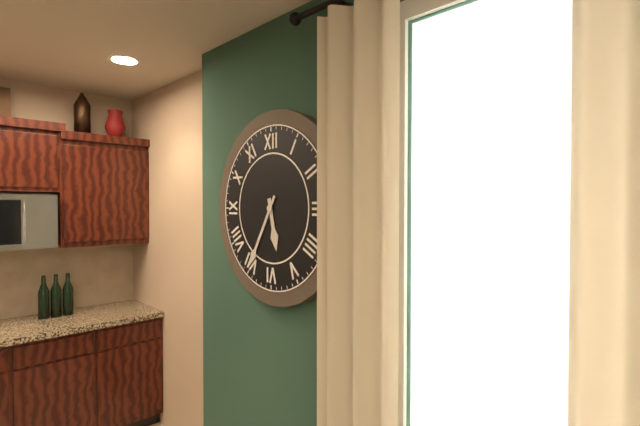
5:35
